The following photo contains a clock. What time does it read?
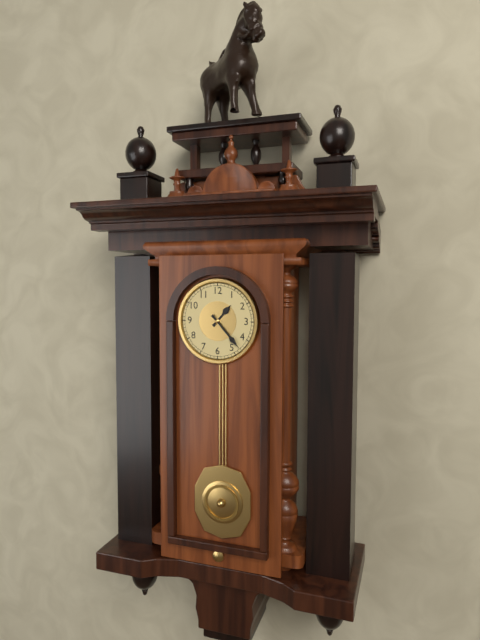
1:23
